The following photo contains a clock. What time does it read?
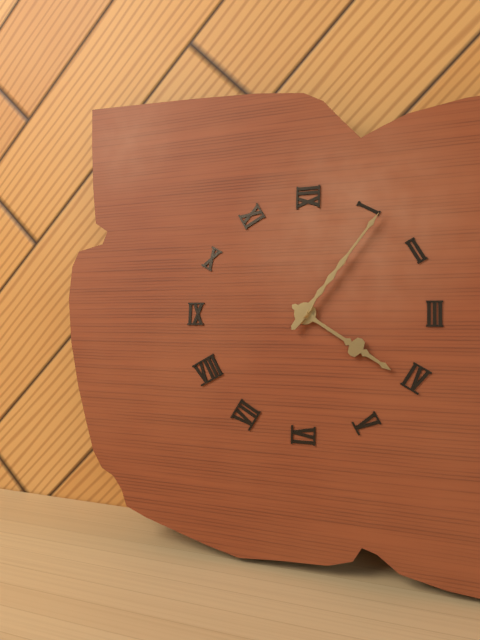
4:06
